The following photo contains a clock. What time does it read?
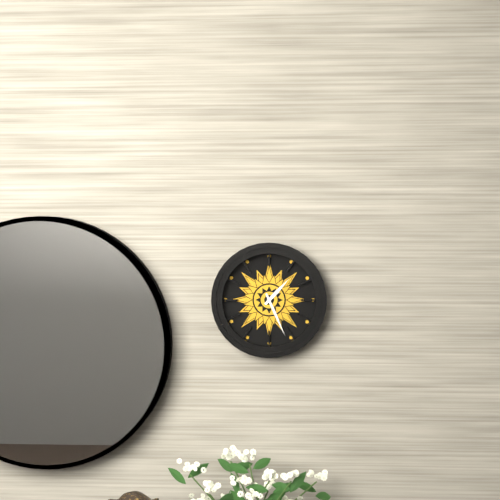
1:26
